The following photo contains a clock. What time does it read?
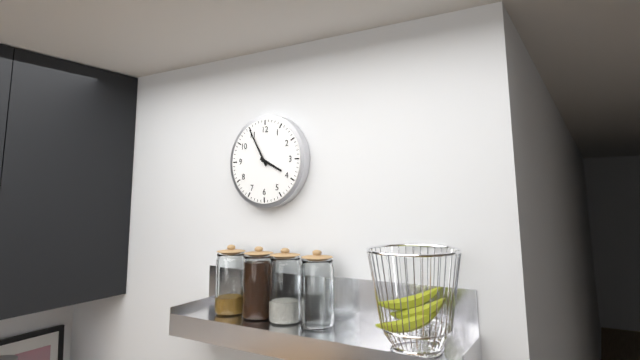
3:55
